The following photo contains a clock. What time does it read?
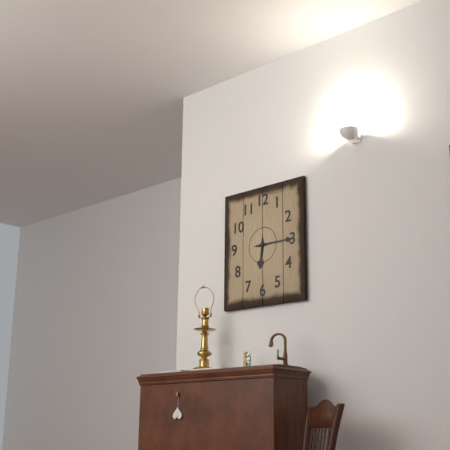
6:15
